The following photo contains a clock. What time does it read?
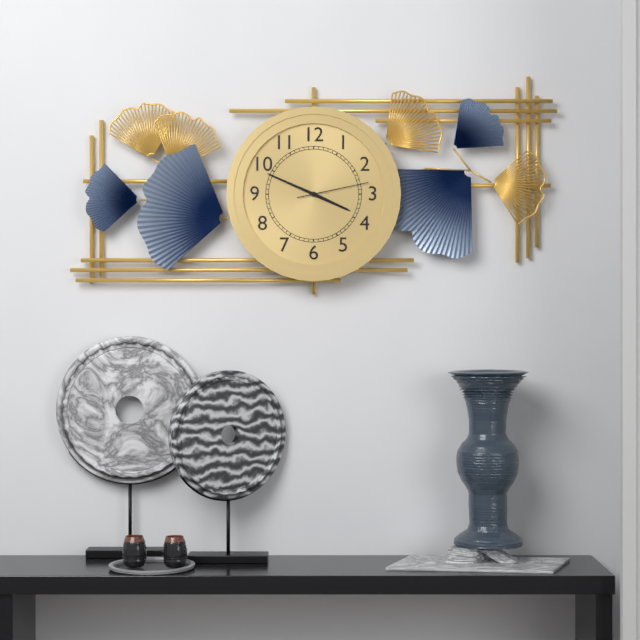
3:49:13
